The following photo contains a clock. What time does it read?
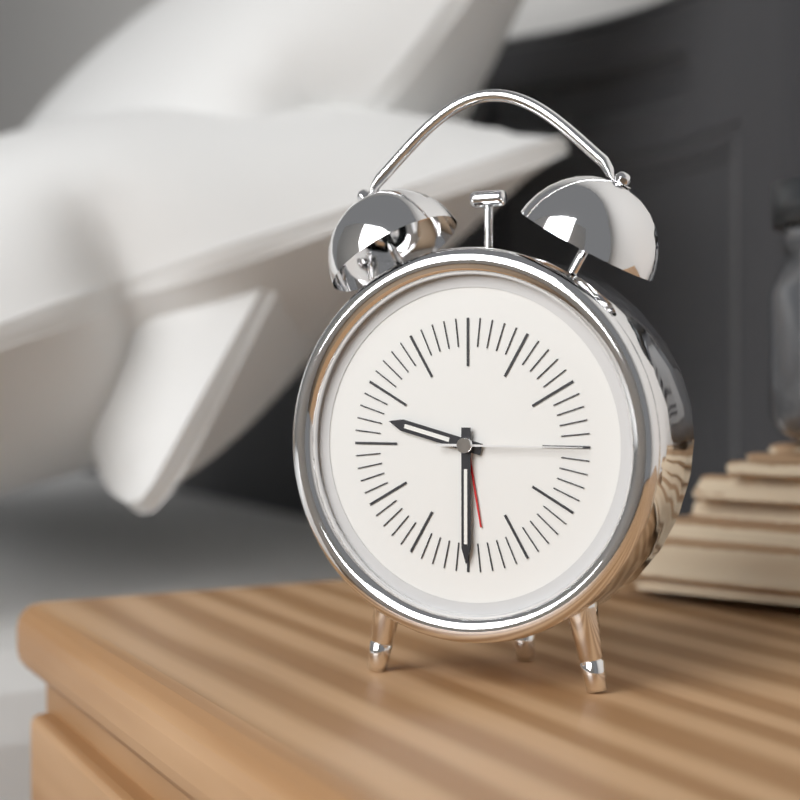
9:30:15
